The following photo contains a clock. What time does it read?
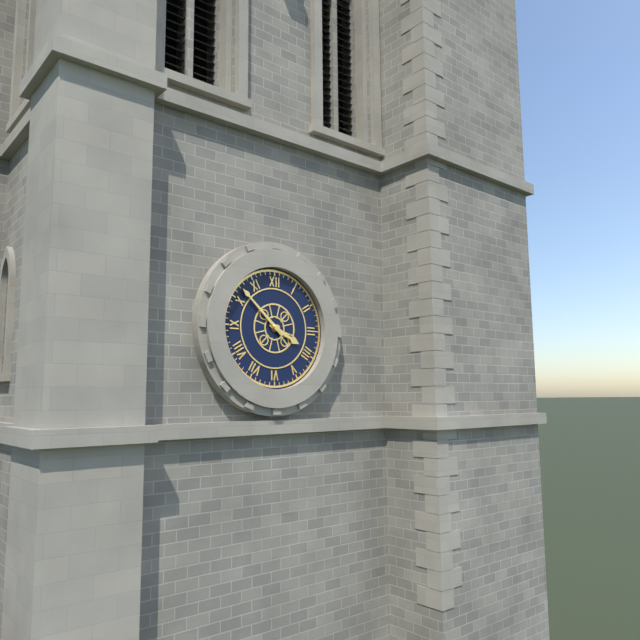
3:52
